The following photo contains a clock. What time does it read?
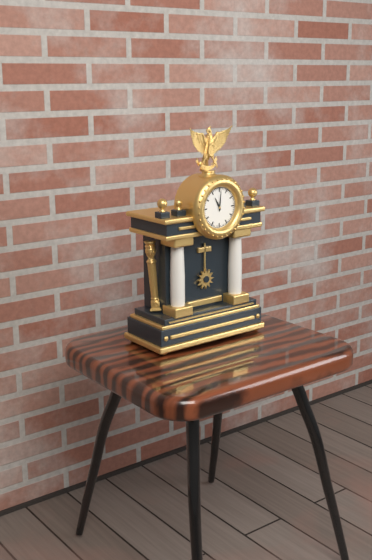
11:01
